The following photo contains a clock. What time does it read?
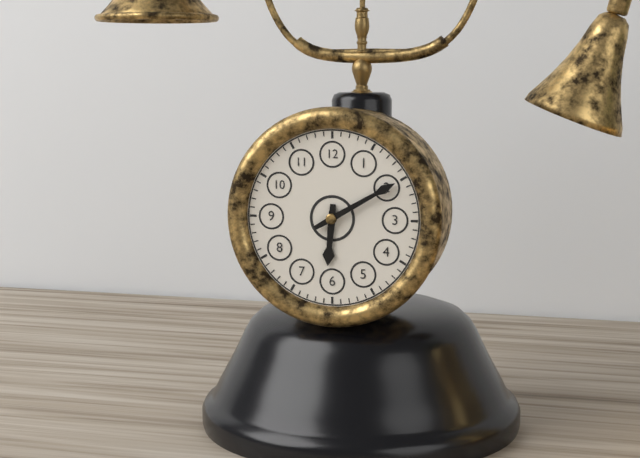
6:10
